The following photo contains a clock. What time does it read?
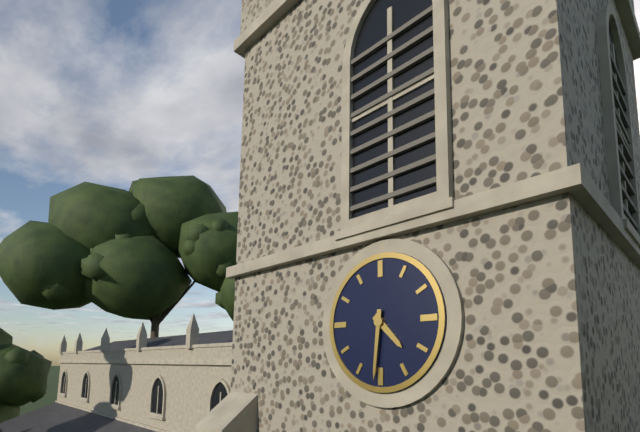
4:31
